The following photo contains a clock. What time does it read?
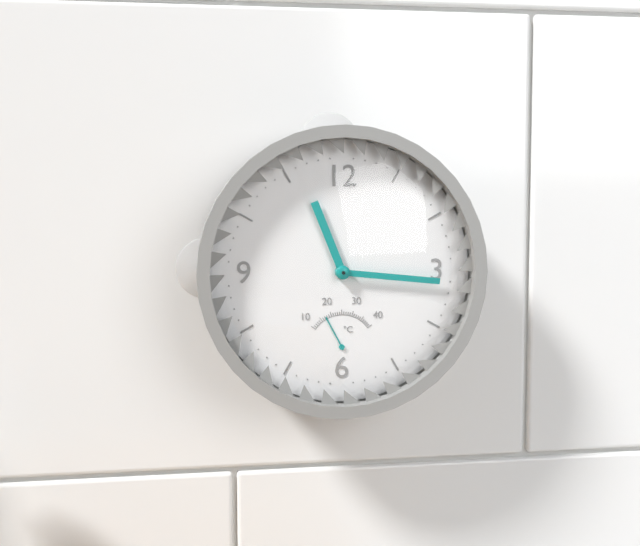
11:16
